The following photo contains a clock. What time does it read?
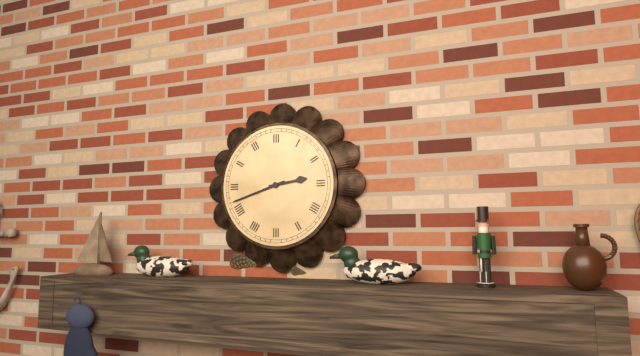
2:42
